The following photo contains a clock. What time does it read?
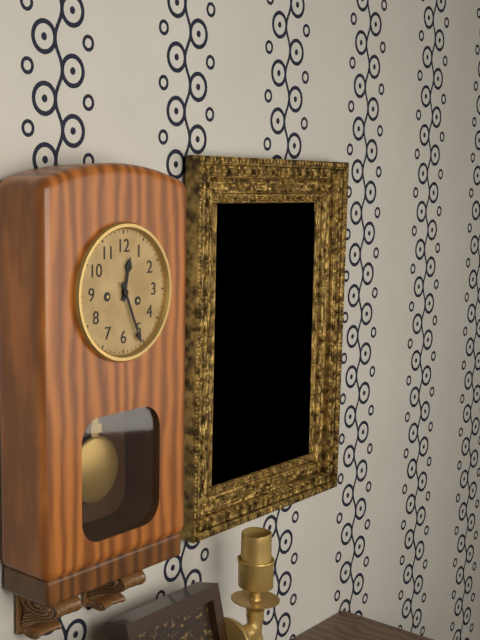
12:26
